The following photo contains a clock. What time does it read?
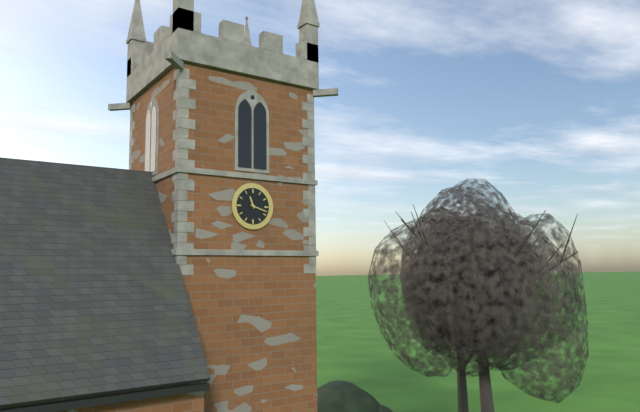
11:18
